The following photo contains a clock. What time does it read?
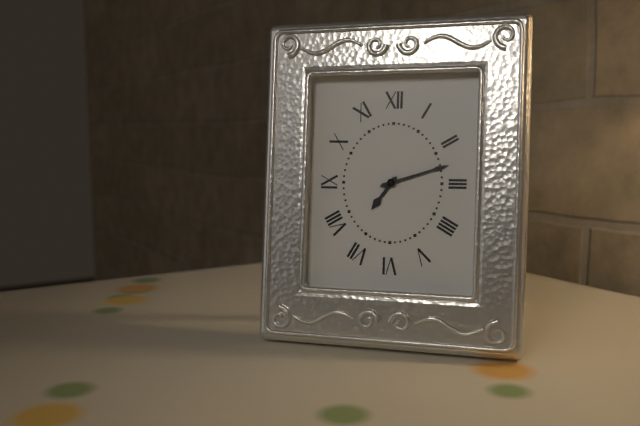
7:12
